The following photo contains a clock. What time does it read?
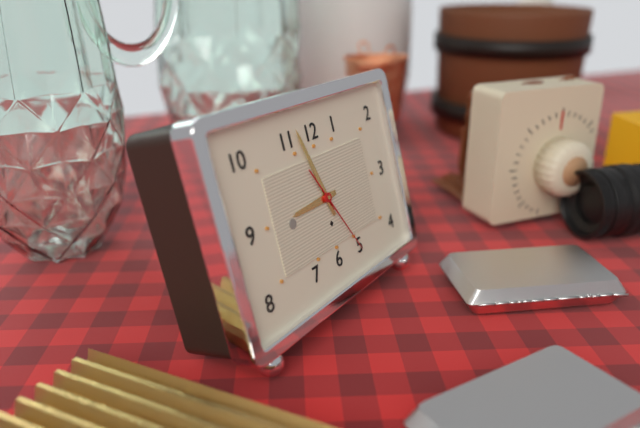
8:57:25
